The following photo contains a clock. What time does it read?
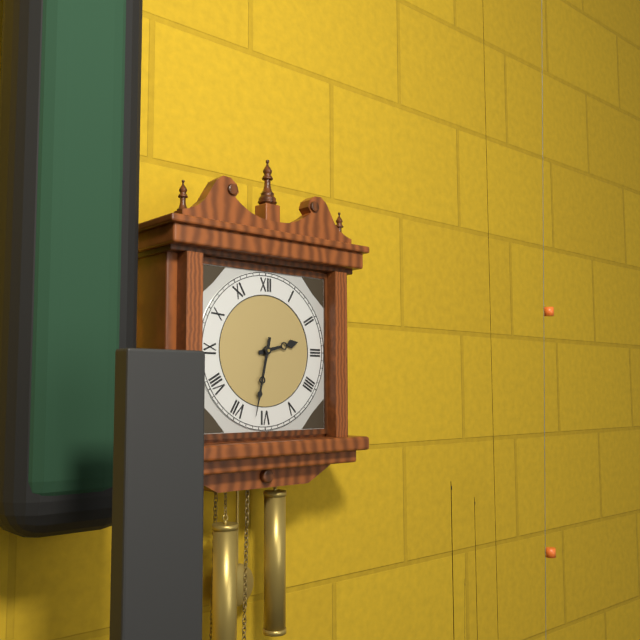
2:32
